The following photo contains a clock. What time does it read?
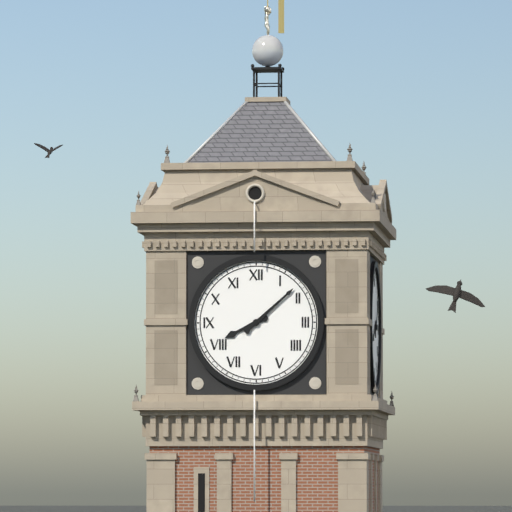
8:08
